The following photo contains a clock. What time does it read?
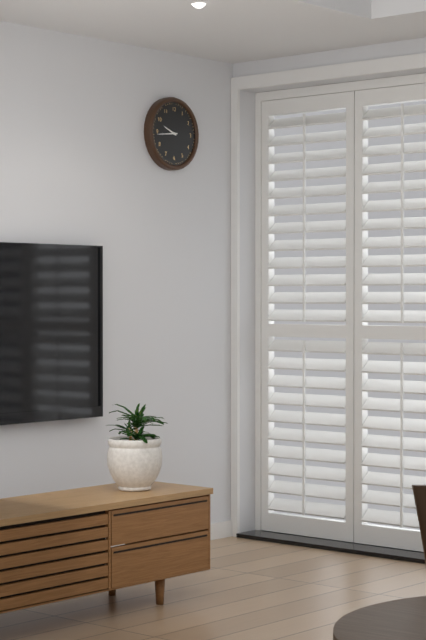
9:44
